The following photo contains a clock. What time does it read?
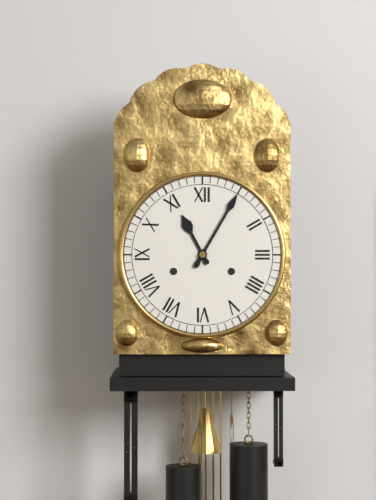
11:05
